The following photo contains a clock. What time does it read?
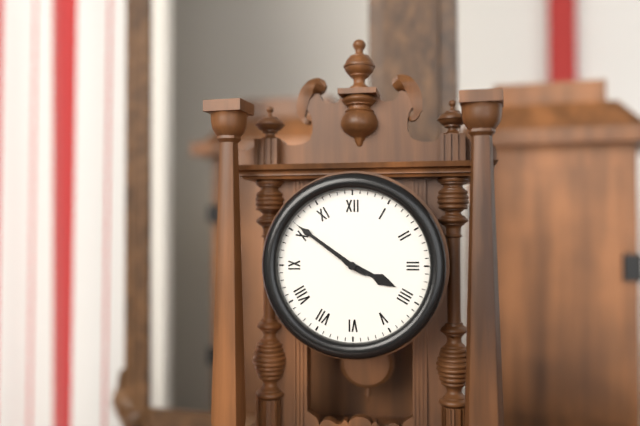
3:51
